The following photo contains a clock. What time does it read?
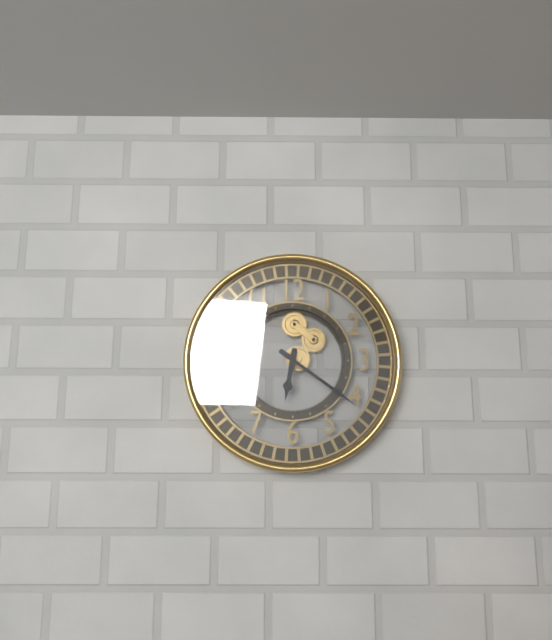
6:21
